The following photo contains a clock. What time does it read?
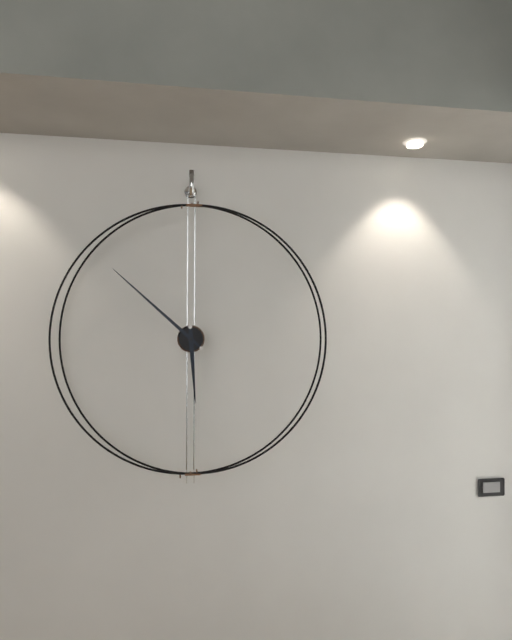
5:52
